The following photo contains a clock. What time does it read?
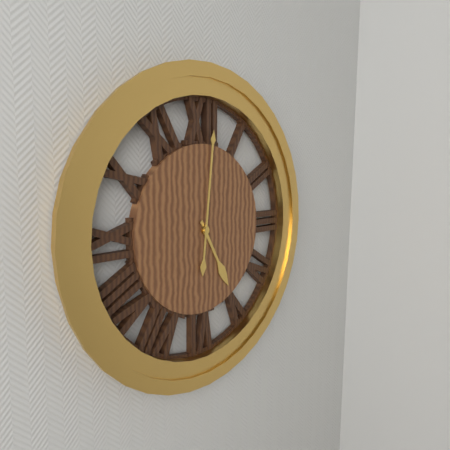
5:01
